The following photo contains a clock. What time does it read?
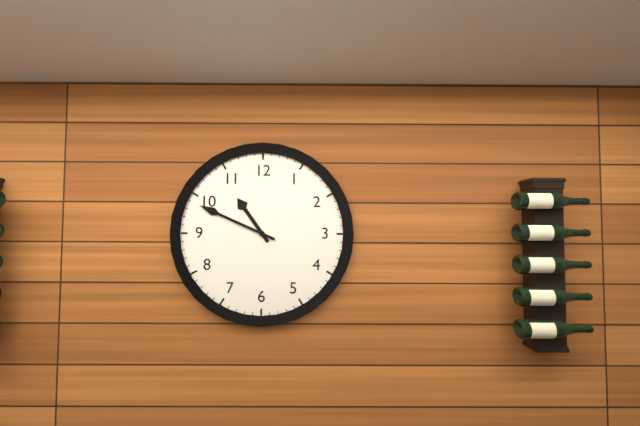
10:49
